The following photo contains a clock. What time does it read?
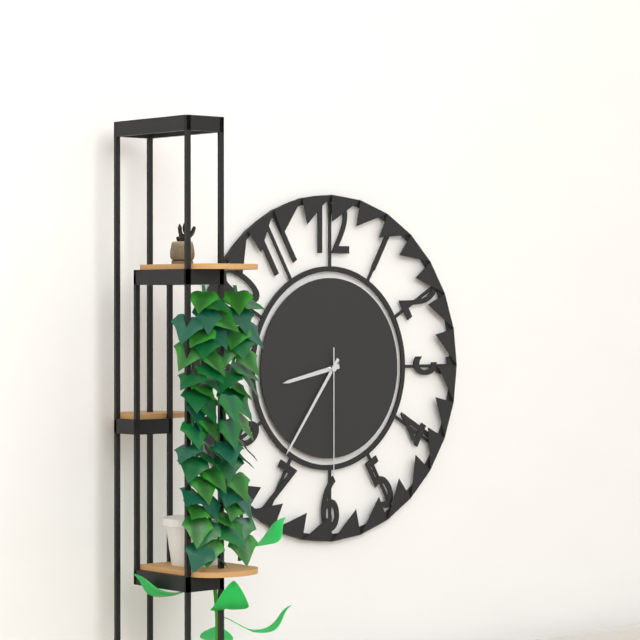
8:36:30
